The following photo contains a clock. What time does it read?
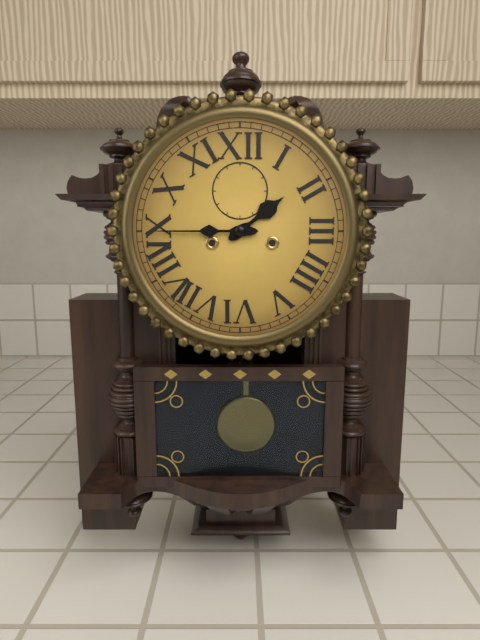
1:45
